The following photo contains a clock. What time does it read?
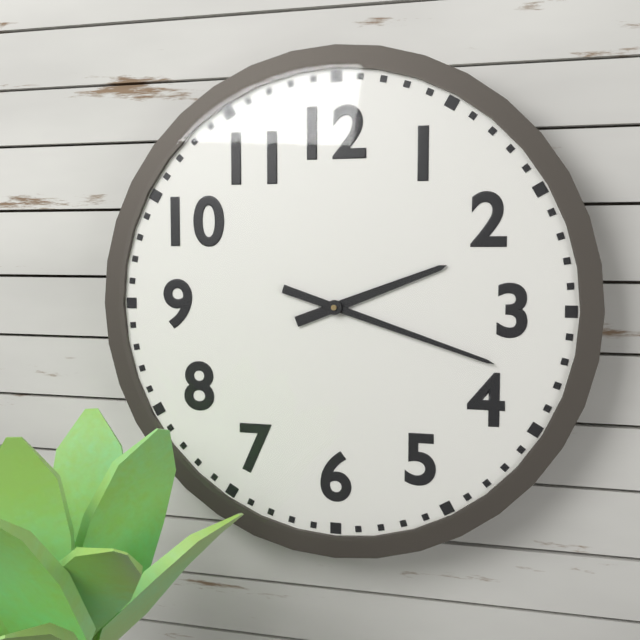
2:18
